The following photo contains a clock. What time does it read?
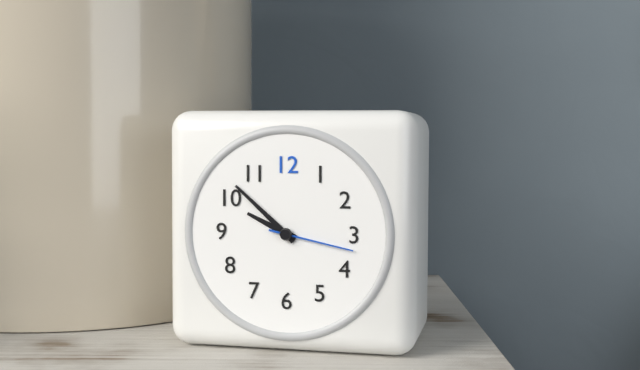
9:52:17
